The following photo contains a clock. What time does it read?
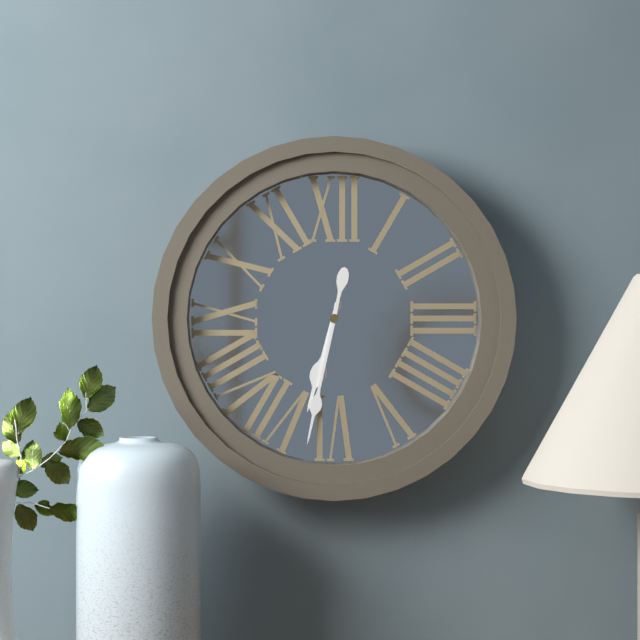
6:32
